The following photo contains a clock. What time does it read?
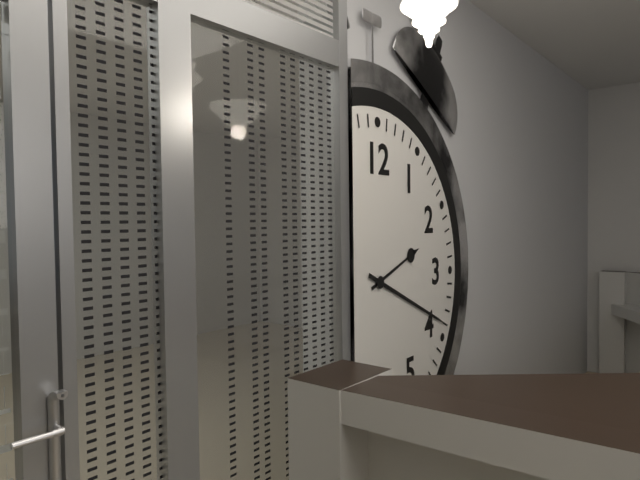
2:19
